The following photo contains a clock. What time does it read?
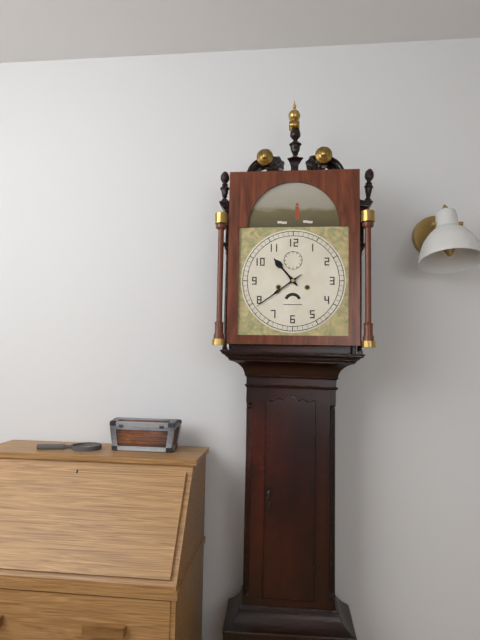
10:39
